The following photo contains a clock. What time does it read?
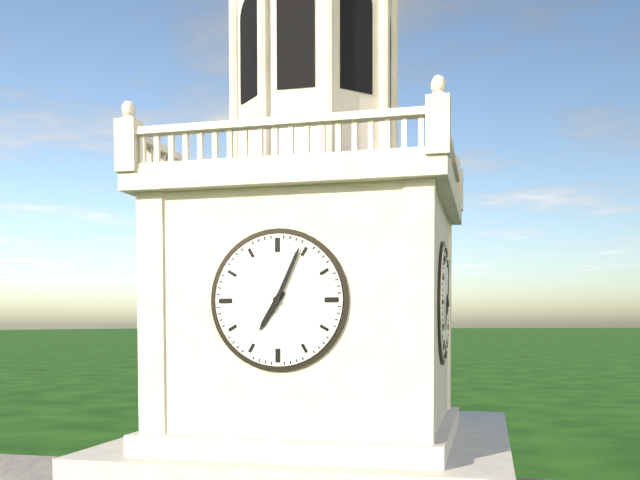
7:04
